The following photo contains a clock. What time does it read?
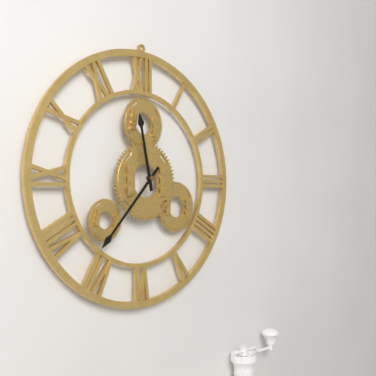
11:37
